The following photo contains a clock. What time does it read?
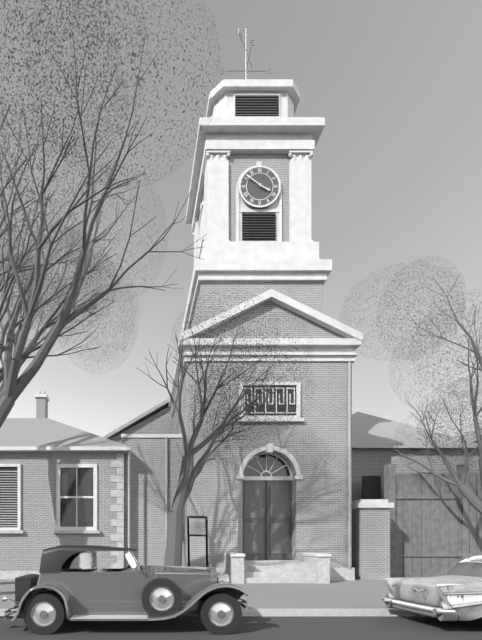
3:51
